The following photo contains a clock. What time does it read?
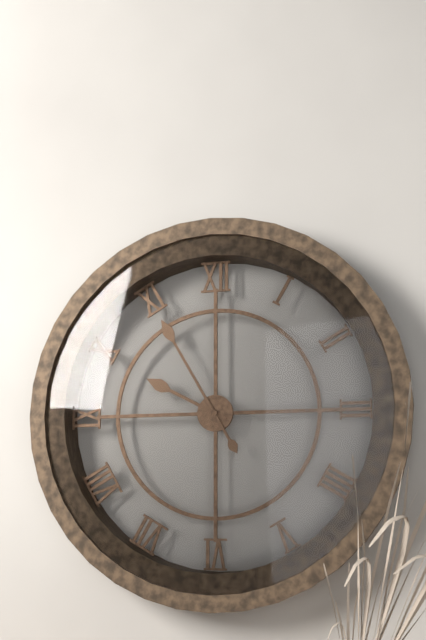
9:55
